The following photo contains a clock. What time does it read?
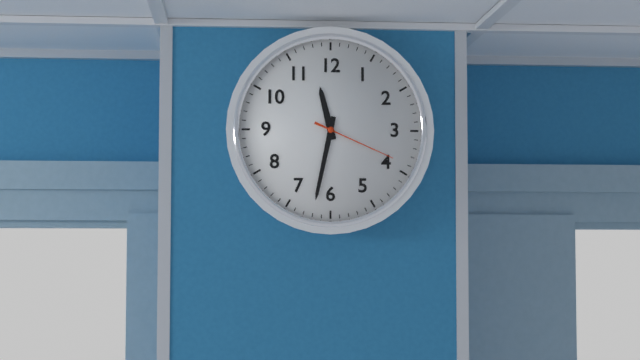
11:32:19
